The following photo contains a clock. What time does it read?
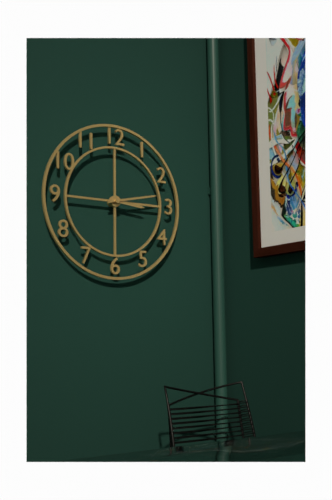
3:13
